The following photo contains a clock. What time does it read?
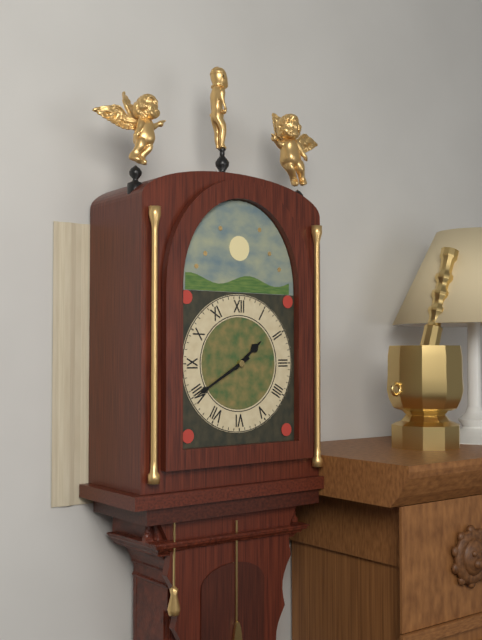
1:40
